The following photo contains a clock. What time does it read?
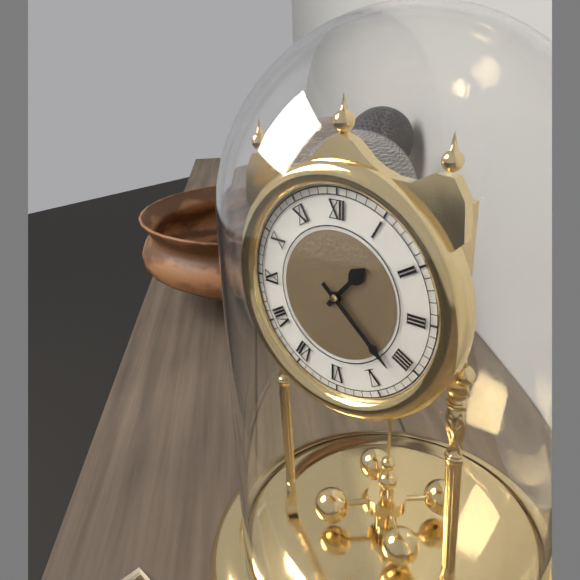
1:22
